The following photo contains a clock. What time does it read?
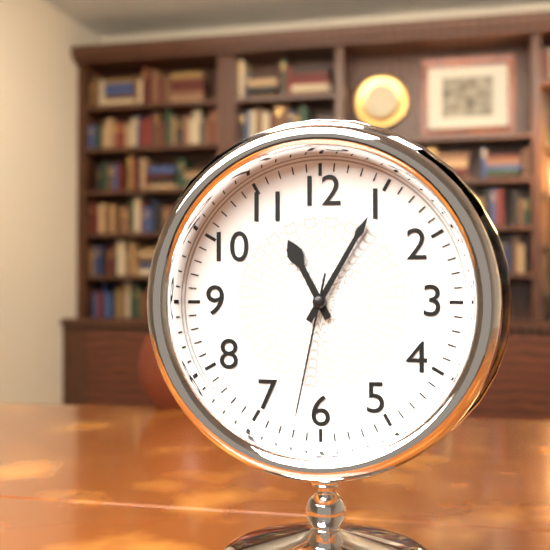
11:05:32
